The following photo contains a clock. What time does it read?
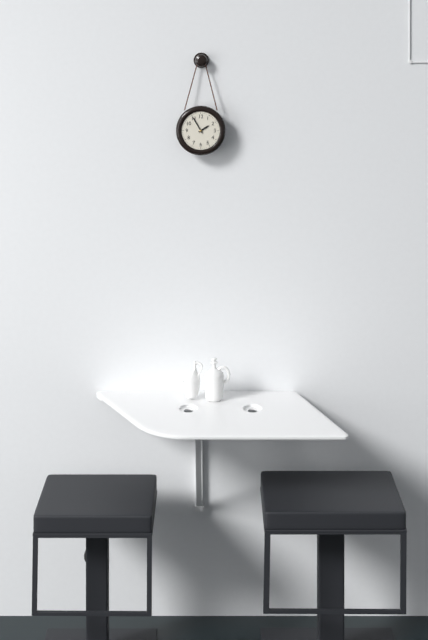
1:55
